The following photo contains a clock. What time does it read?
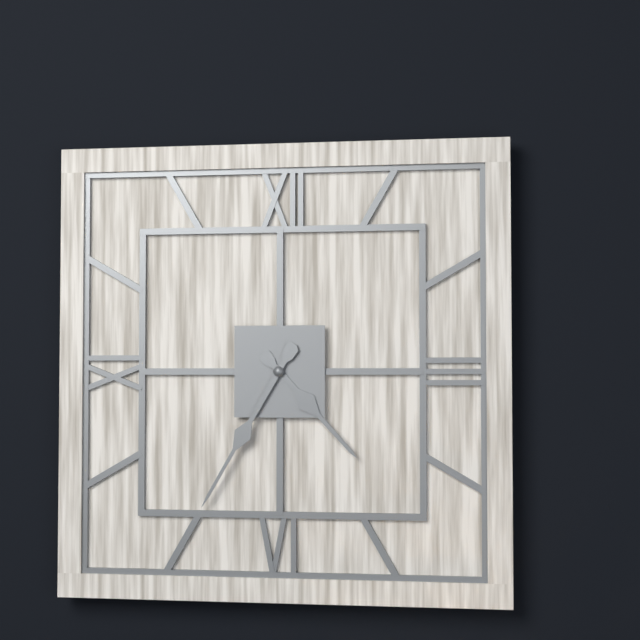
4:35
